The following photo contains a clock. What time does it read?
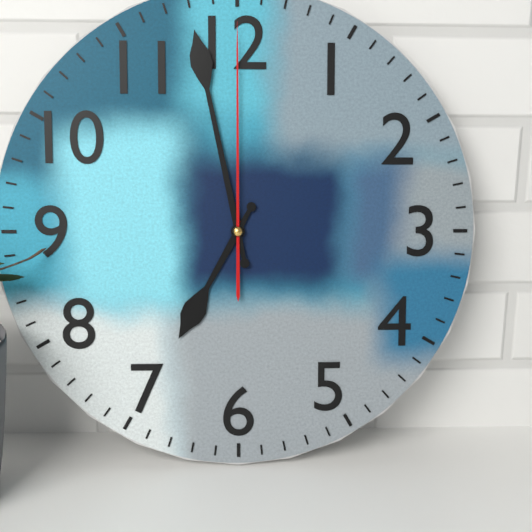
6:58:00
